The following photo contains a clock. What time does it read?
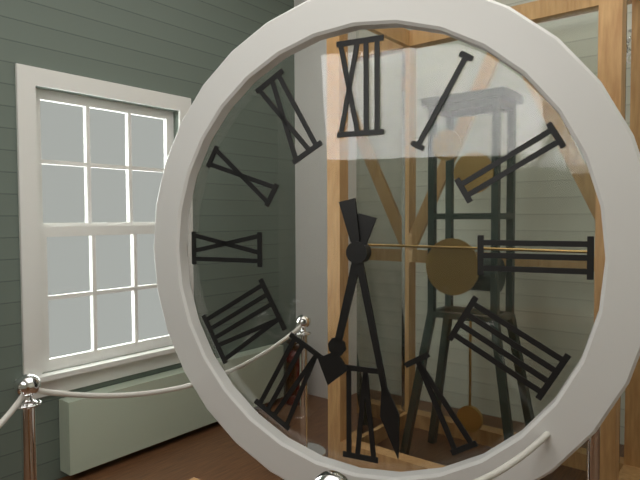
6:28
